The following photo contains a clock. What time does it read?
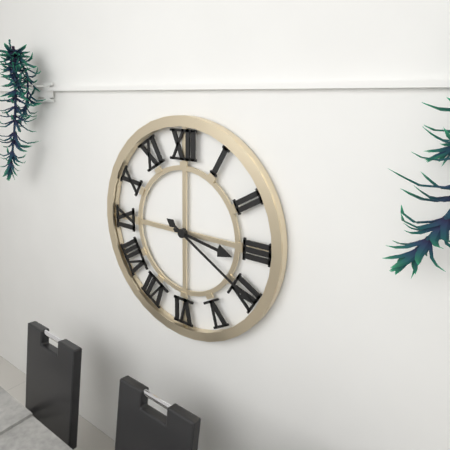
3:20
